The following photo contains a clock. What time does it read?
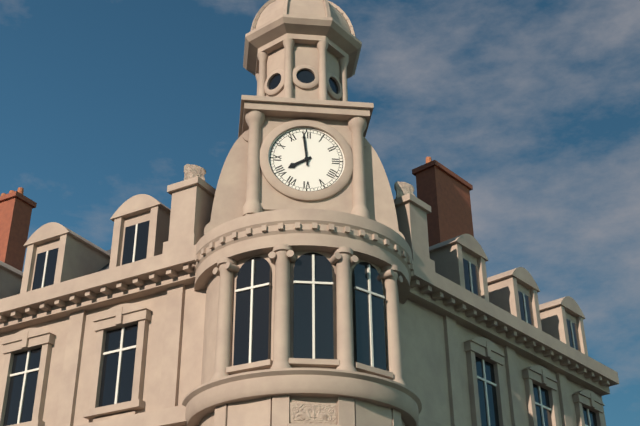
7:59
